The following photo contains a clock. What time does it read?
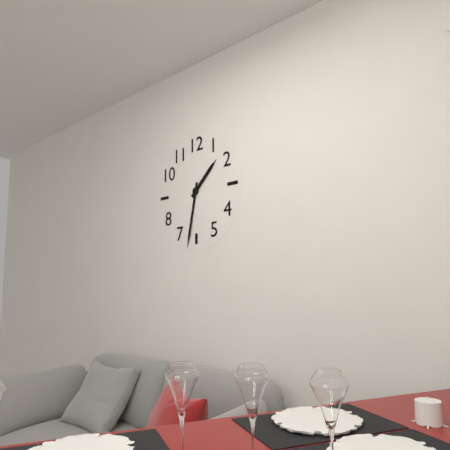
1:32
